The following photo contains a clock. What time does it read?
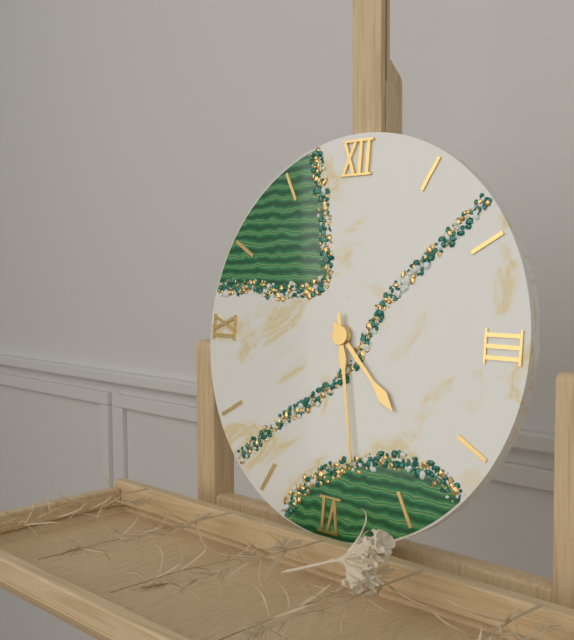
4:28
